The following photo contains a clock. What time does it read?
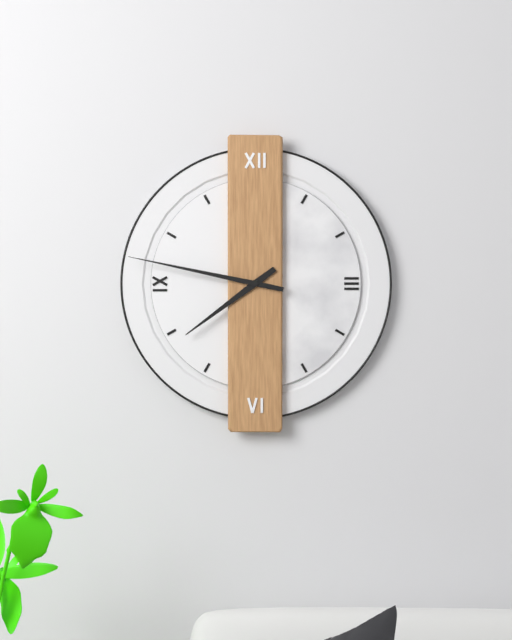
7:47
